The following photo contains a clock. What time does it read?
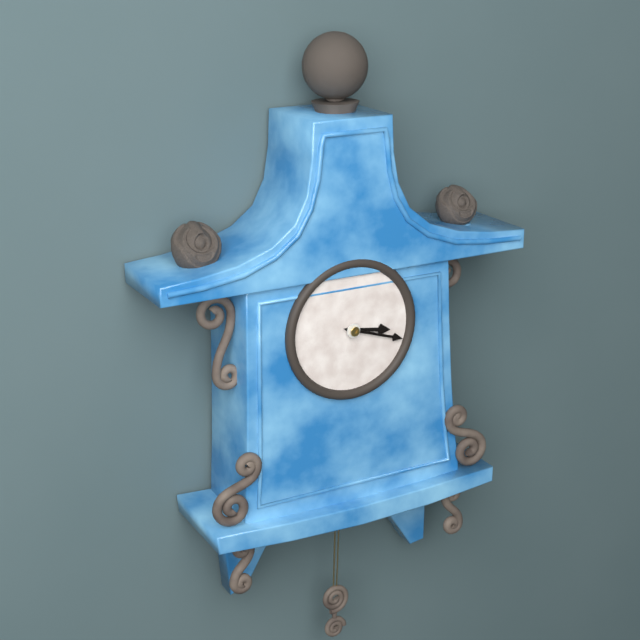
3:18
